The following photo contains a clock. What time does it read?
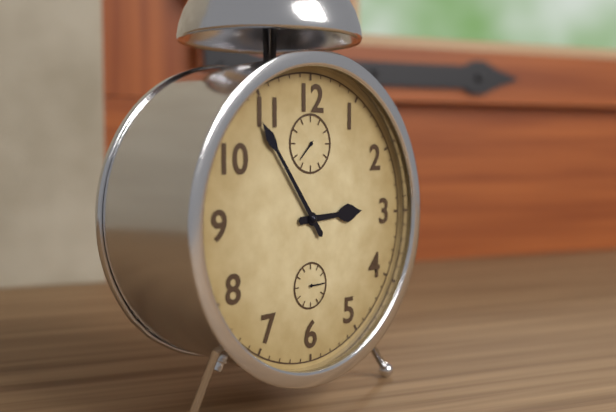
2:54
